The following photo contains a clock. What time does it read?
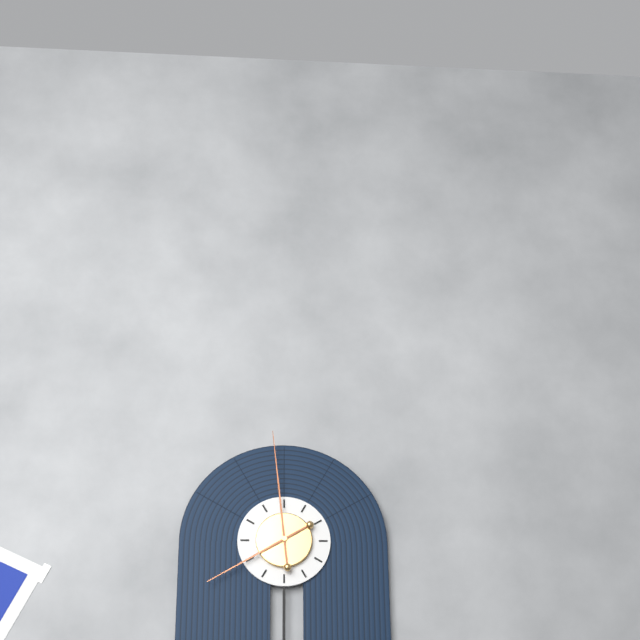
7:59
